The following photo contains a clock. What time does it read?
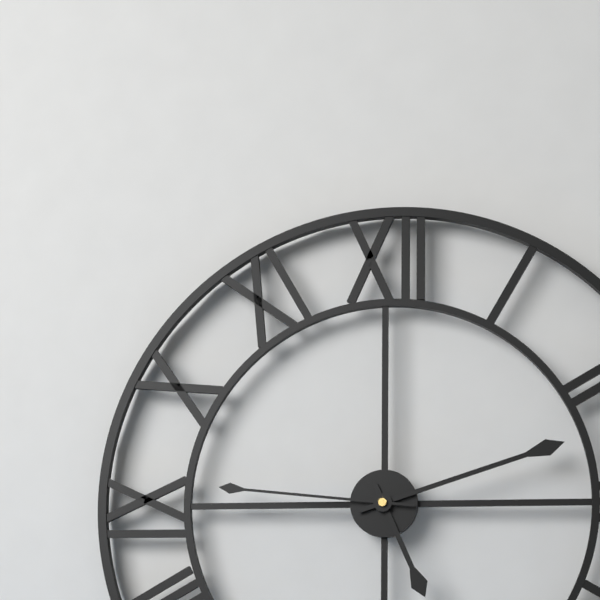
5:12:46
